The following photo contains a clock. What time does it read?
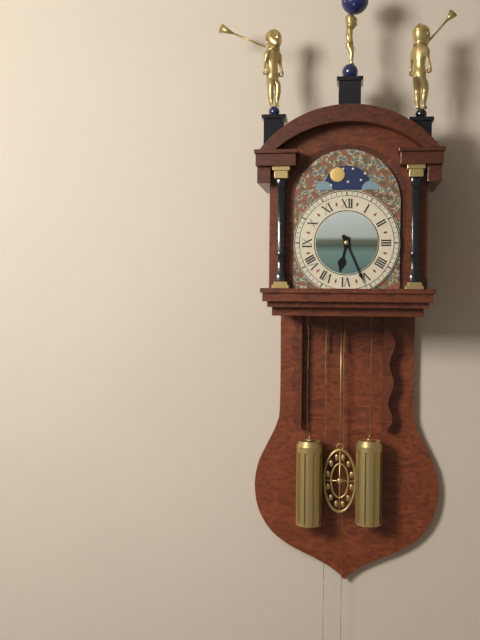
6:26
